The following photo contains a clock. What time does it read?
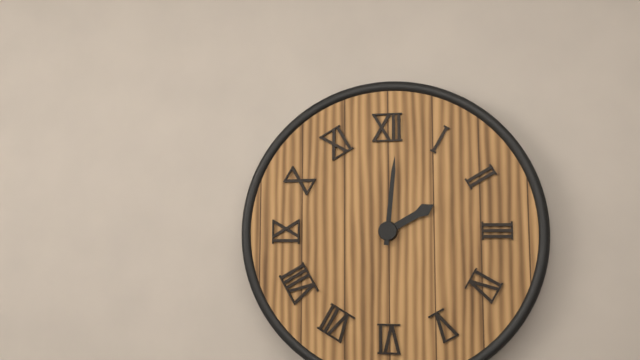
2:01
